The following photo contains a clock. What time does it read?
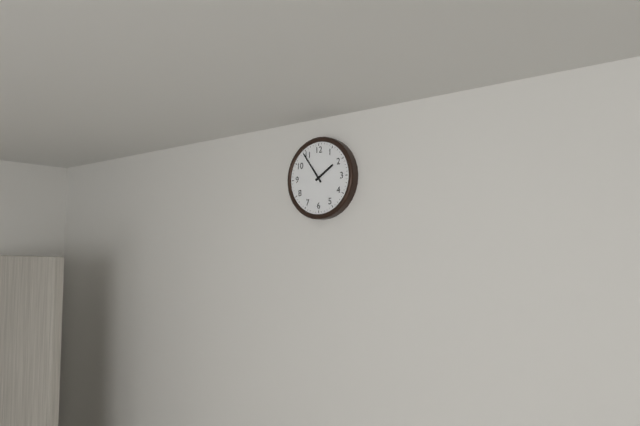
1:54
